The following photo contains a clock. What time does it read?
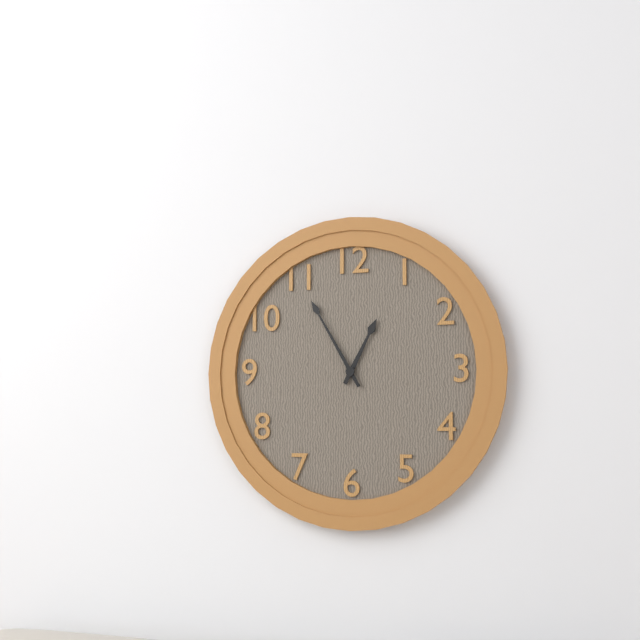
12:55
